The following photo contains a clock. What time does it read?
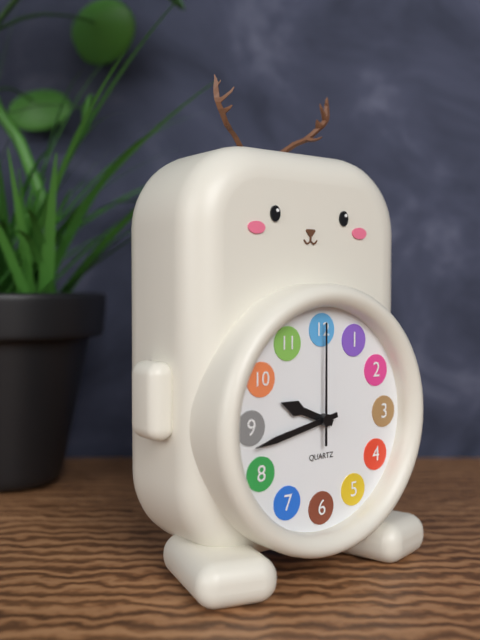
9:43:00
